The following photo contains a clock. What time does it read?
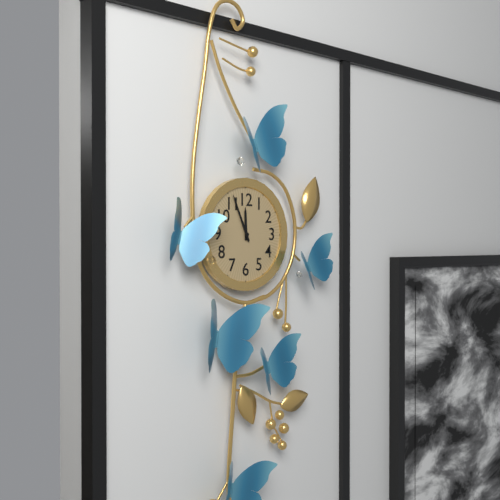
11:56
